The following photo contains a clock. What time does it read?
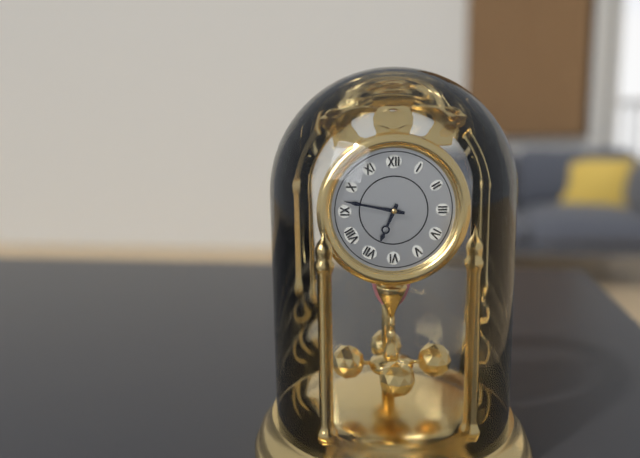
6:47
